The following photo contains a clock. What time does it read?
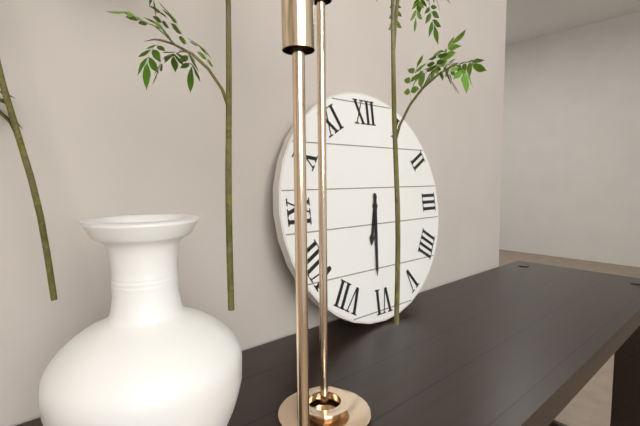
6:31
